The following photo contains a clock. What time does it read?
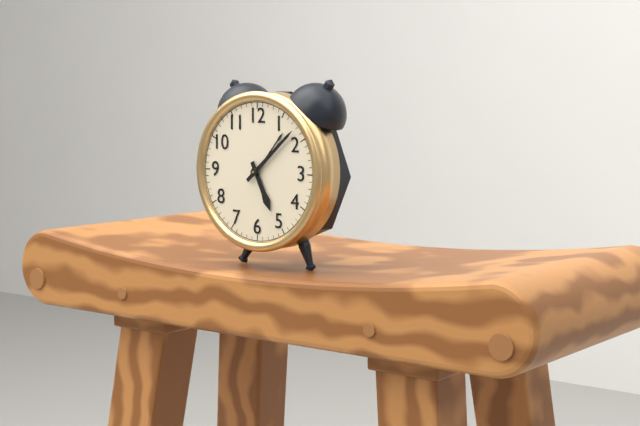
5:08
